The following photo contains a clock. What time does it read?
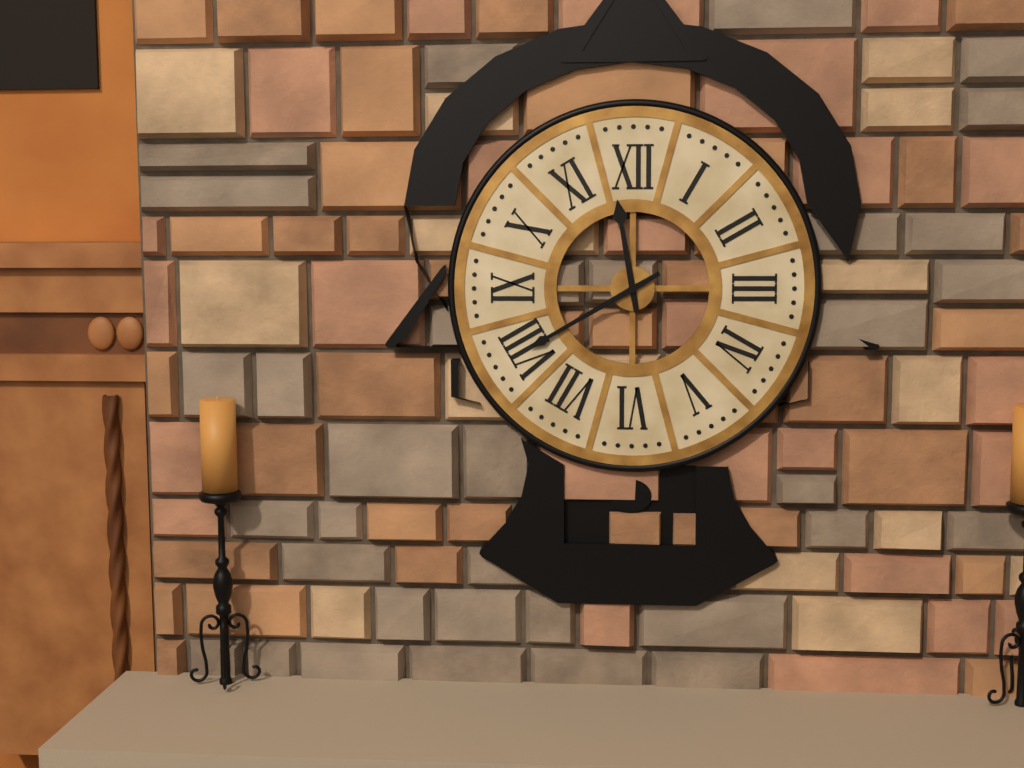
11:40
